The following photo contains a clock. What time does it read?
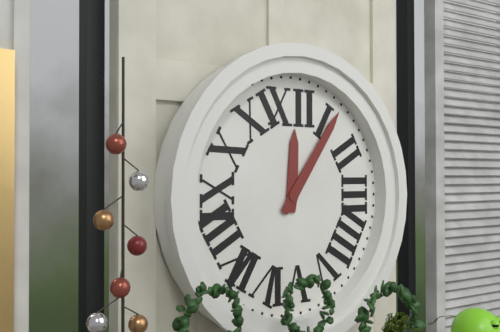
12:06
